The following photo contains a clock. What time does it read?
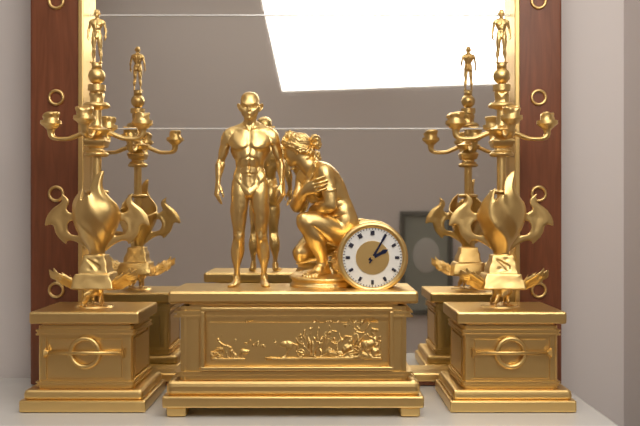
2:05
